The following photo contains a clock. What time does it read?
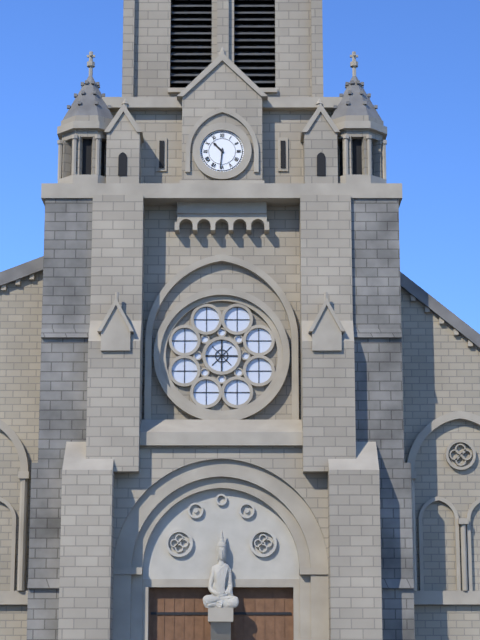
10:31
